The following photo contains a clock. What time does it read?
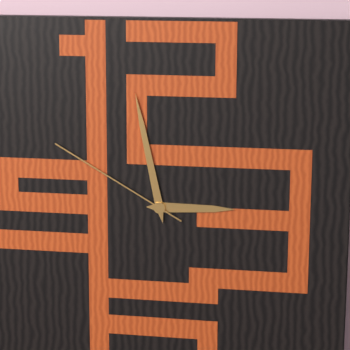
2:58:50
